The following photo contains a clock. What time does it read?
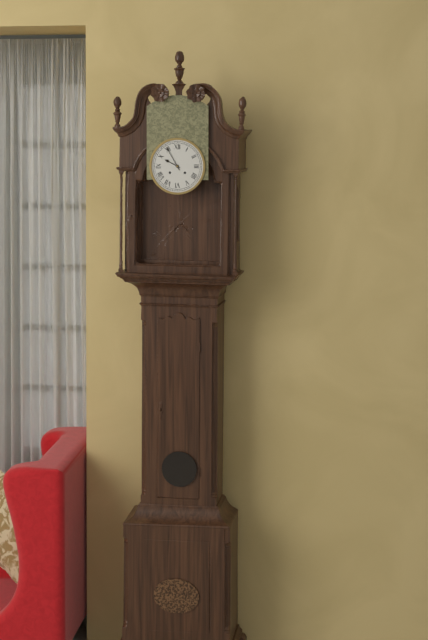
9:55
